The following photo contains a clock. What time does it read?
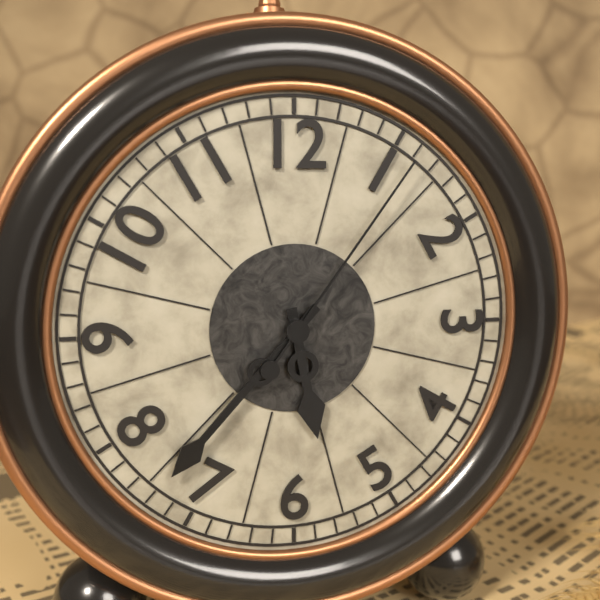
5:37:06
